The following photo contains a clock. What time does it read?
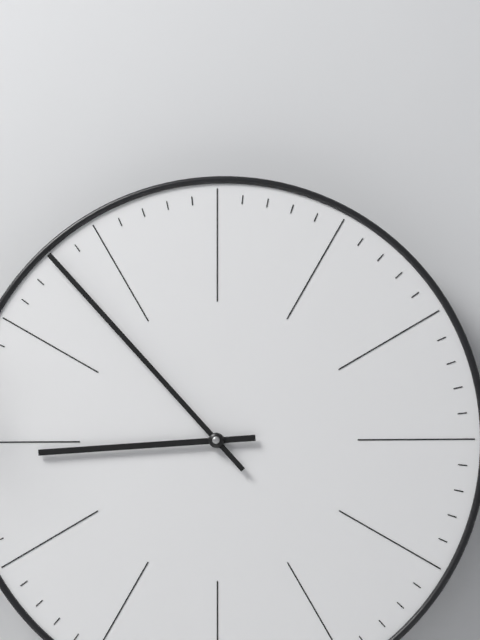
8:53
